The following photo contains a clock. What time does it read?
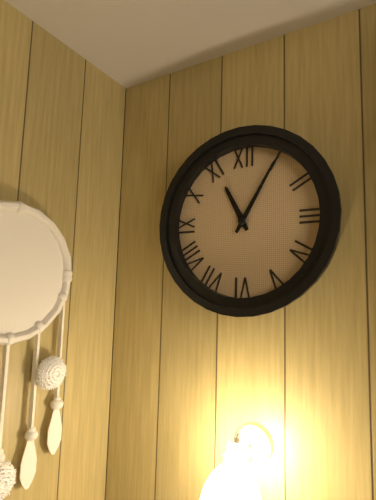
11:05
